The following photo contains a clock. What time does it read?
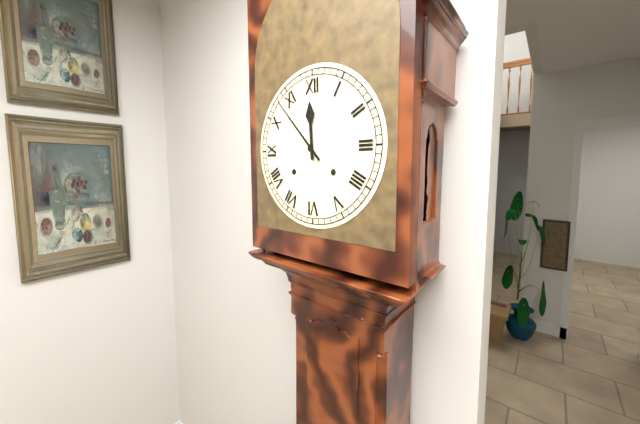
11:53
